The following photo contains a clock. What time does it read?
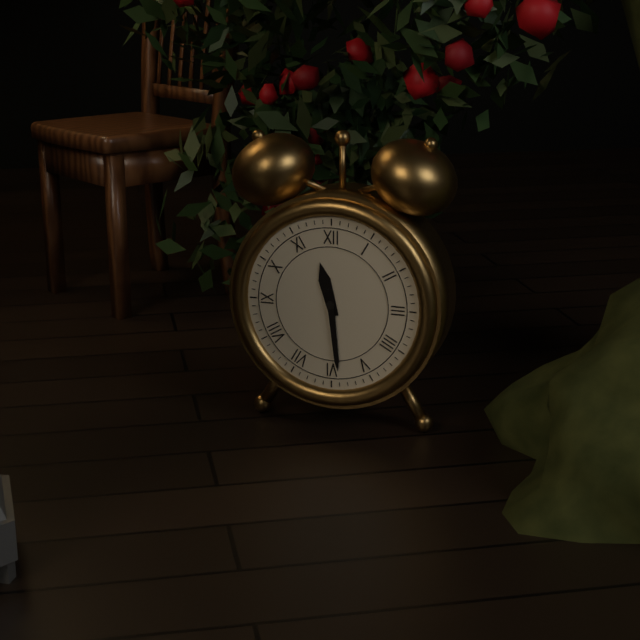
11:29
